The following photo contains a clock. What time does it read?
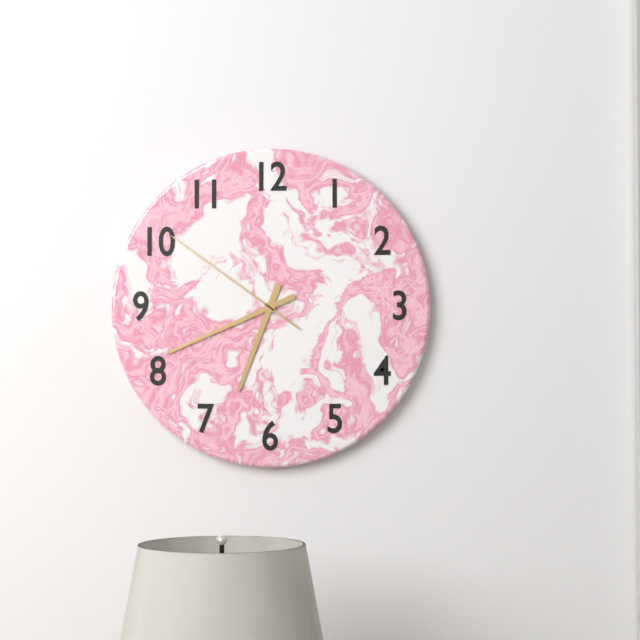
6:41:51
